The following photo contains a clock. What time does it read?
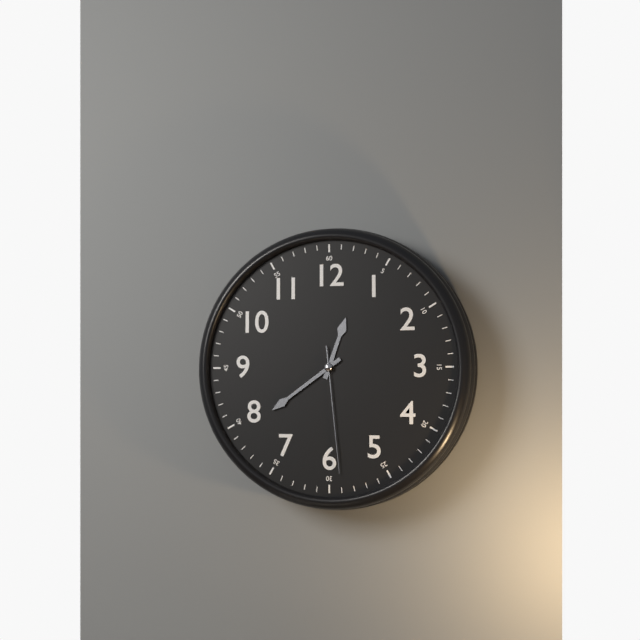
12:39:29
